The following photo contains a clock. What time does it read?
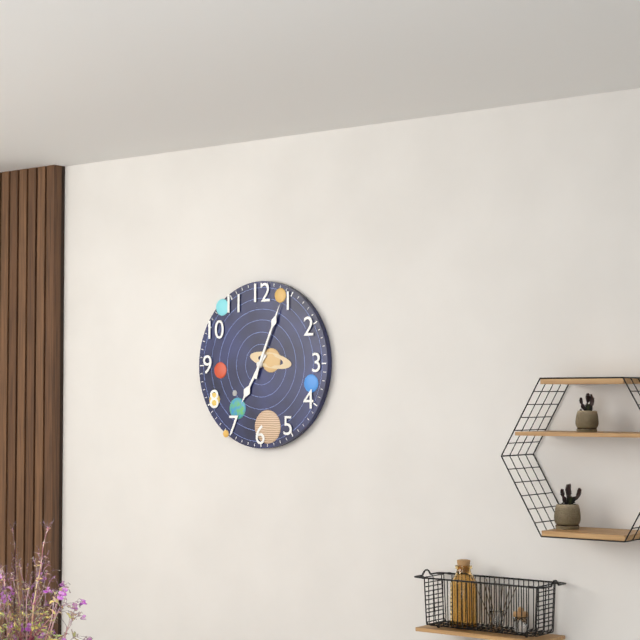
7:04
